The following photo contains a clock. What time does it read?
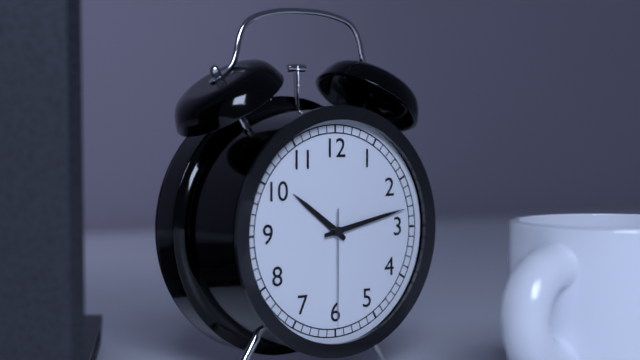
10:13:30
